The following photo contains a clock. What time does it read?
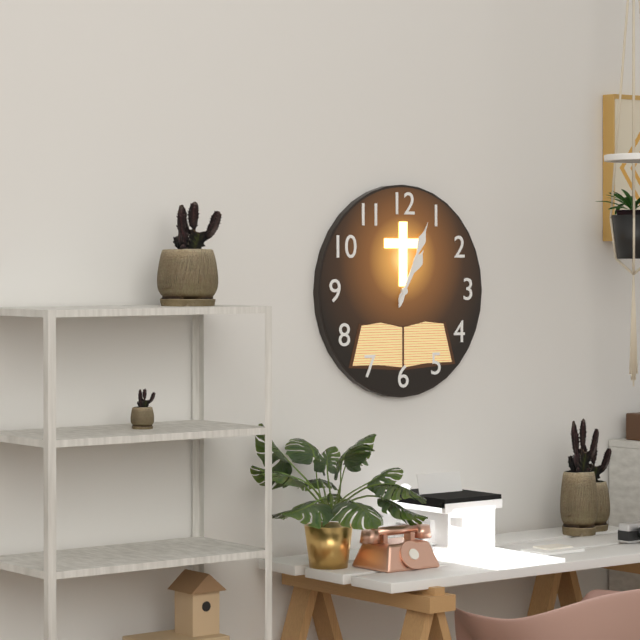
1:04
